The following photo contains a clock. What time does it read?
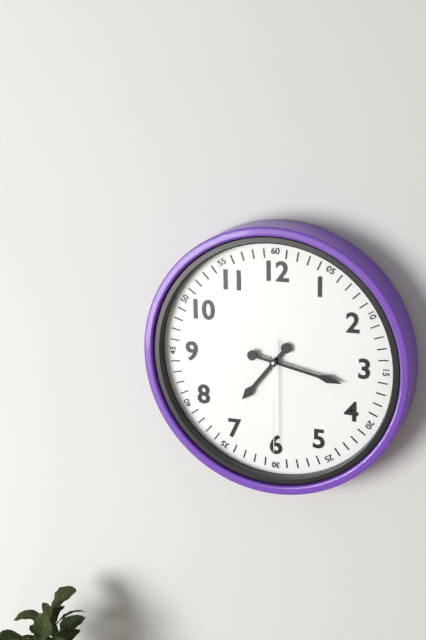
7:17:30
